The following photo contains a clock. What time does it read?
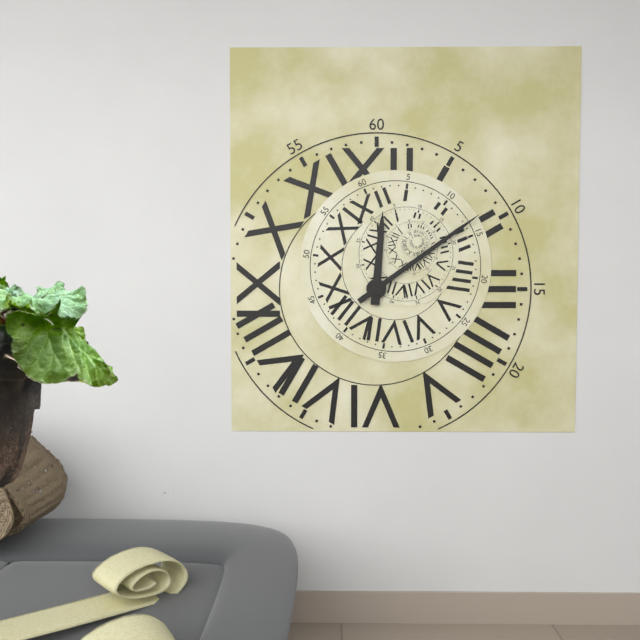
12:09
